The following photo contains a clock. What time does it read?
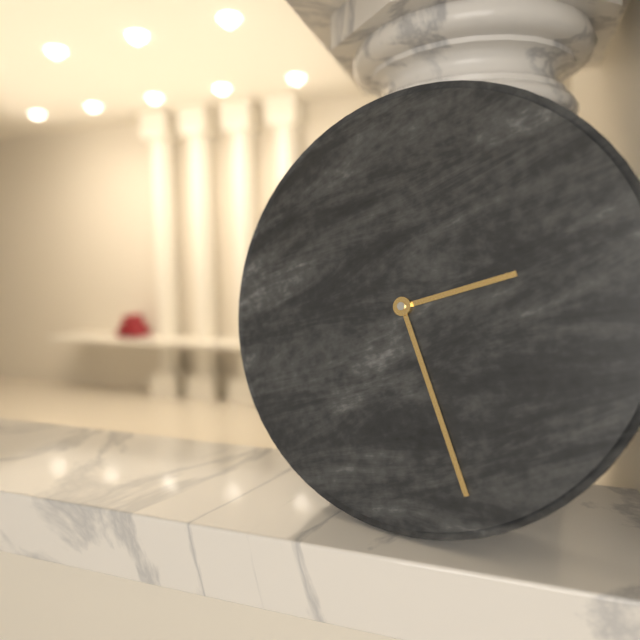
2:26
